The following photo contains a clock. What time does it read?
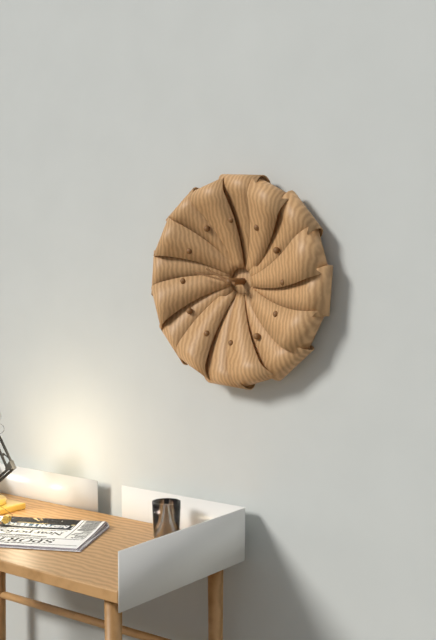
9:47
